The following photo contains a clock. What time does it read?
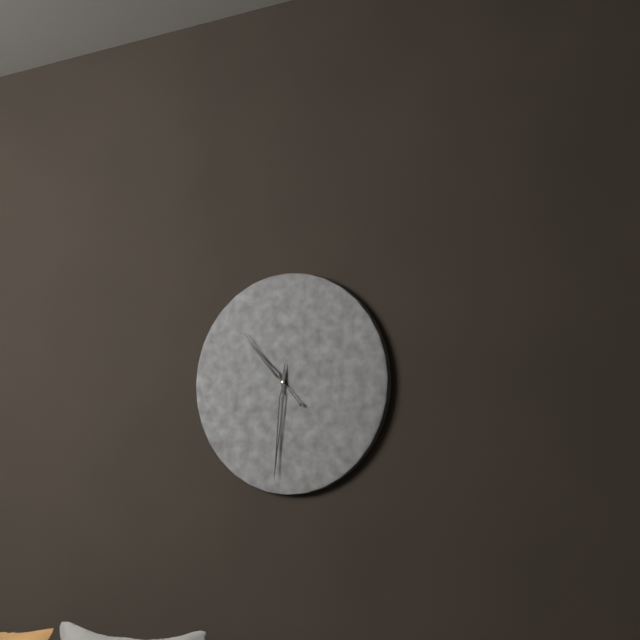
10:31:53
